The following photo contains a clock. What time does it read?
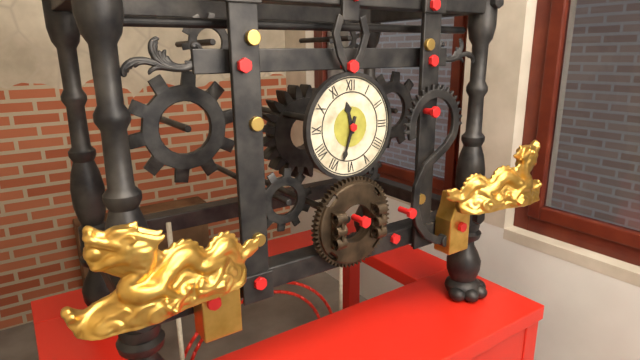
11:33
